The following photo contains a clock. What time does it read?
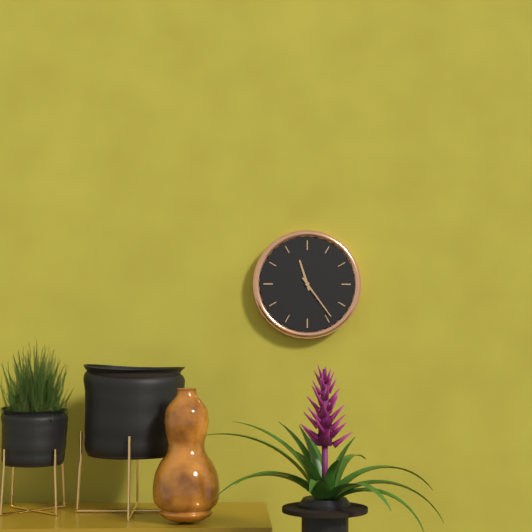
11:24
